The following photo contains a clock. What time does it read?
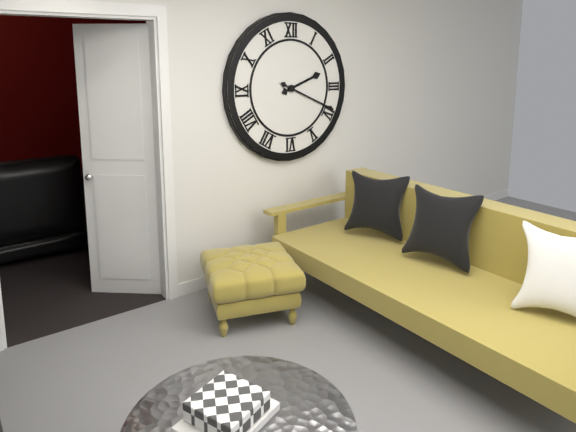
2:19
